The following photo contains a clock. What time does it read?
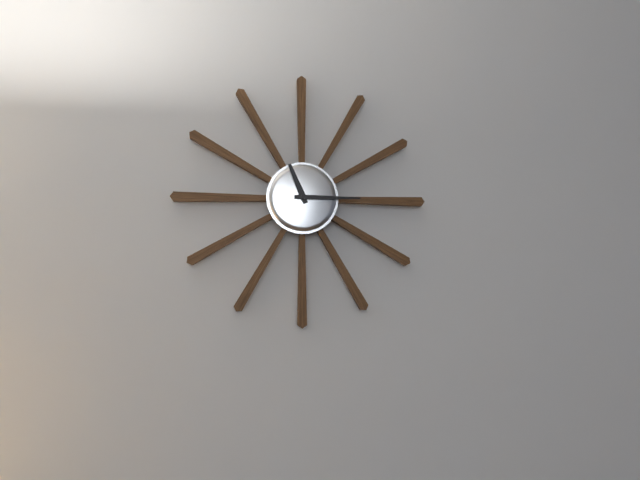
11:15
